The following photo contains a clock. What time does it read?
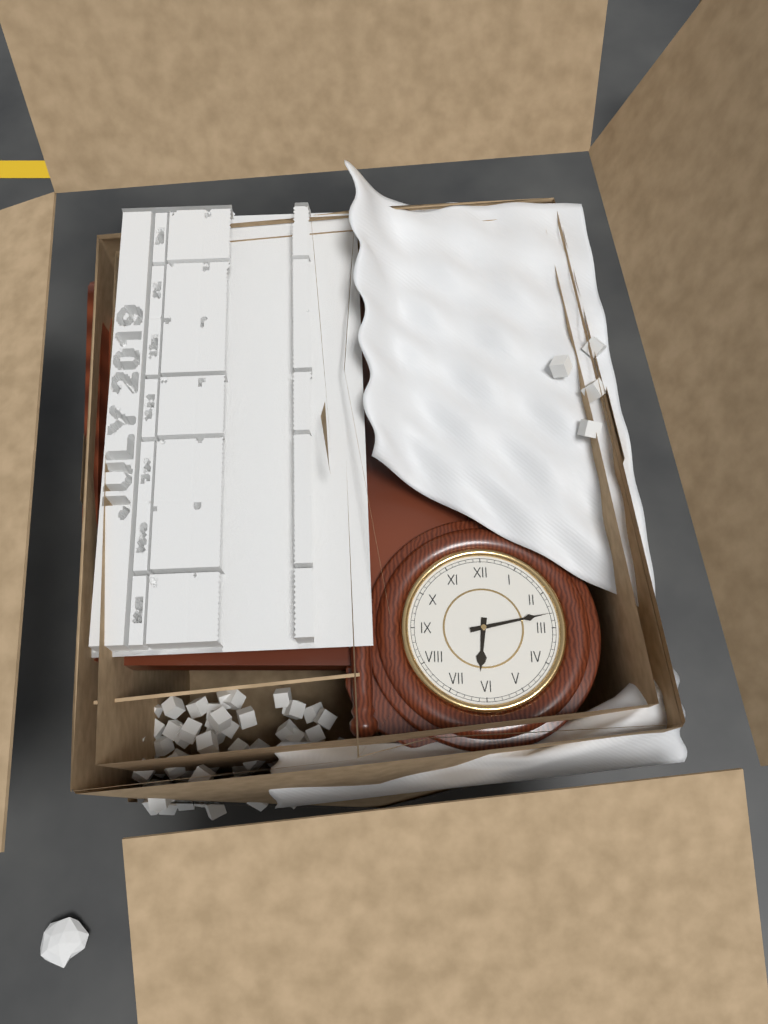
6:13
